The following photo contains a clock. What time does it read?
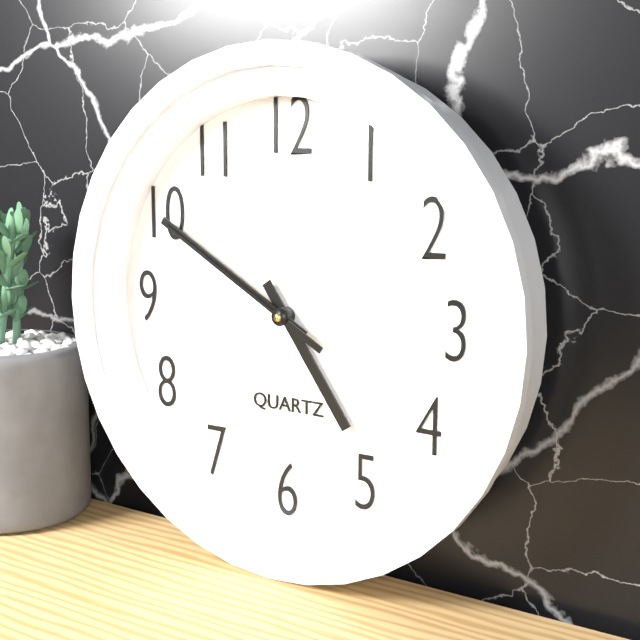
4:50:50
